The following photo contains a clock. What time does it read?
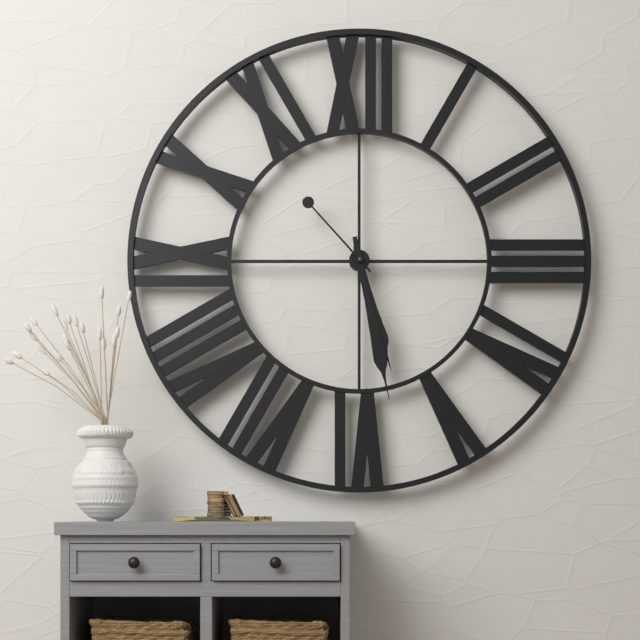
5:28:53
